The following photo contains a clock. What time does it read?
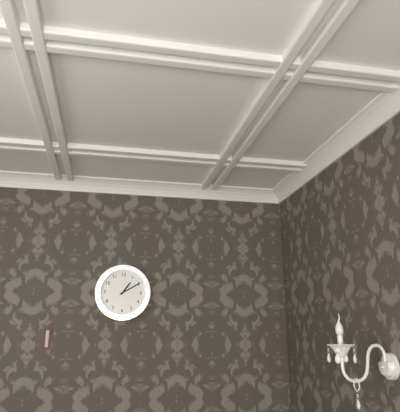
1:10
